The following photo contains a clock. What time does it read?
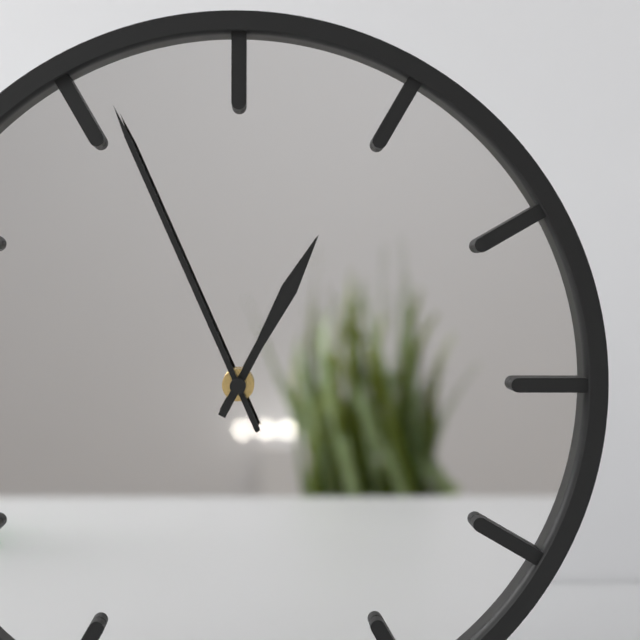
12:56
